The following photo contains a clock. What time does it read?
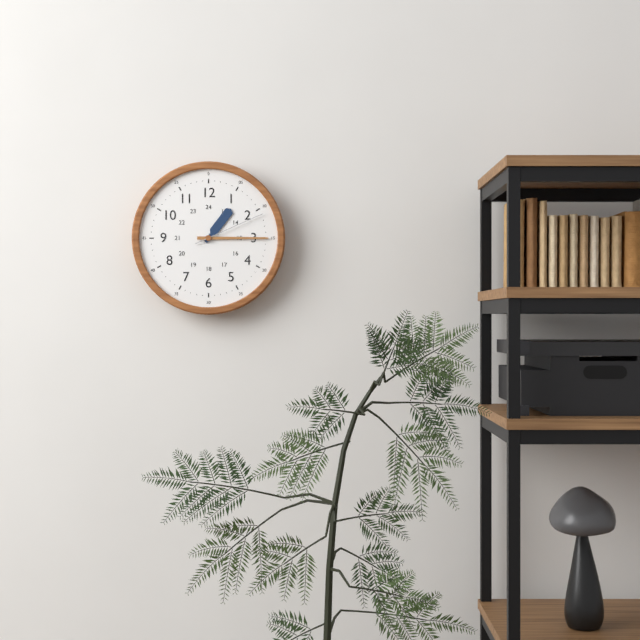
1:15:11
